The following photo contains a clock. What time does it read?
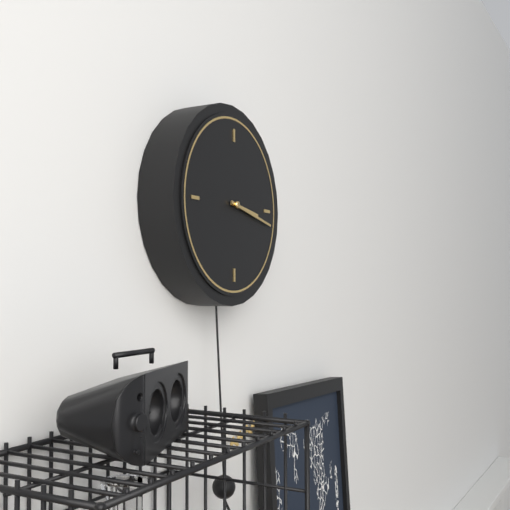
3:17
